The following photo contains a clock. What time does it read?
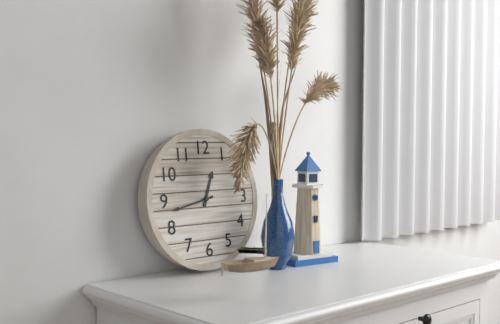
12:43
